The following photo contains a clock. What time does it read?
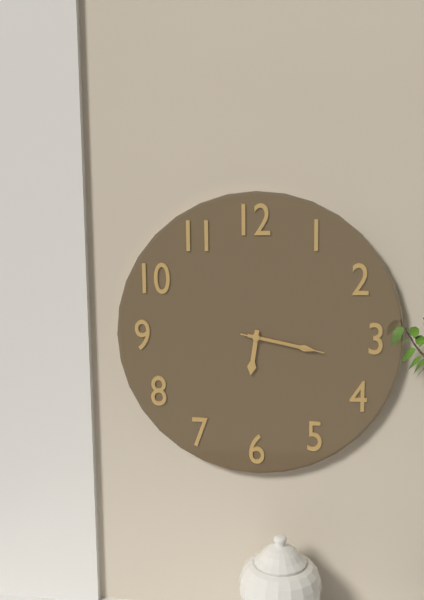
6:17:17
